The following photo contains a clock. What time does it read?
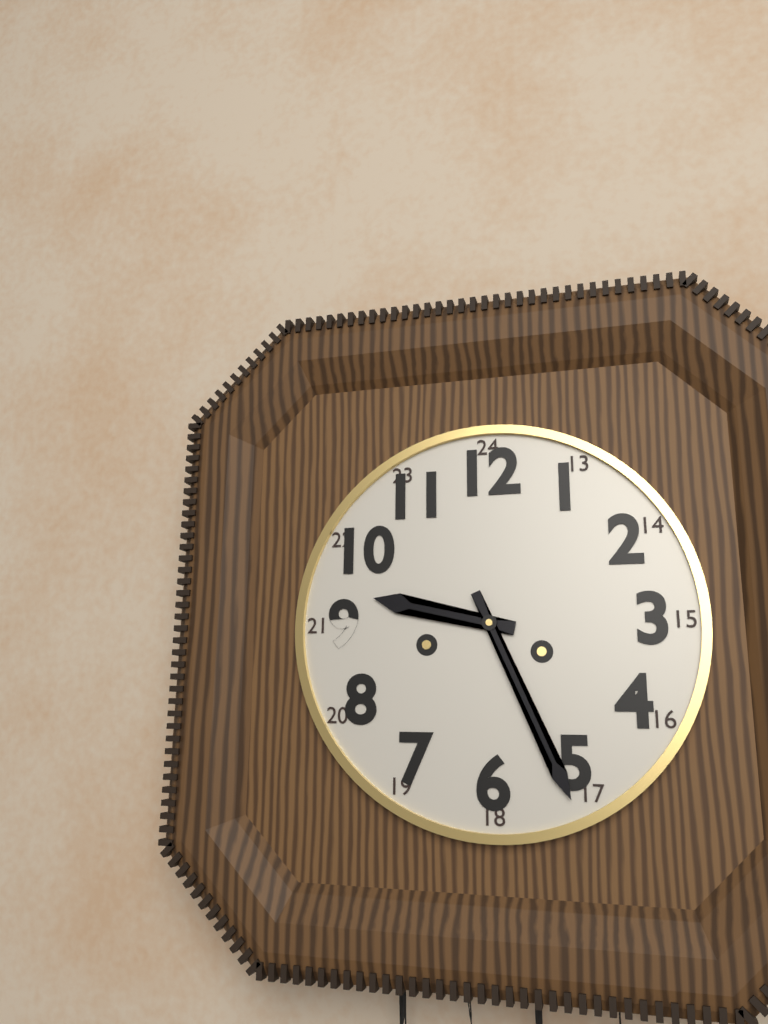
9:26
